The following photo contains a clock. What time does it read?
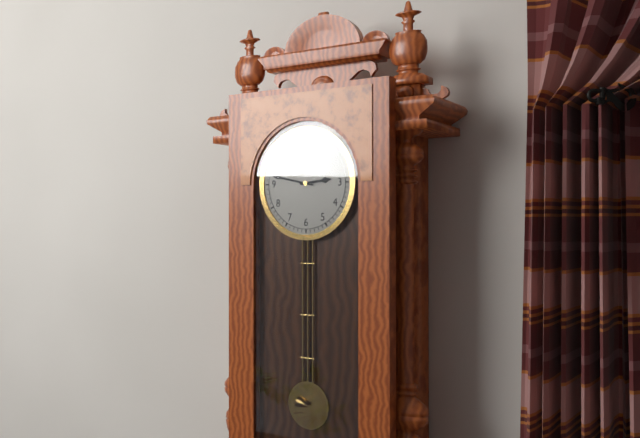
2:47
